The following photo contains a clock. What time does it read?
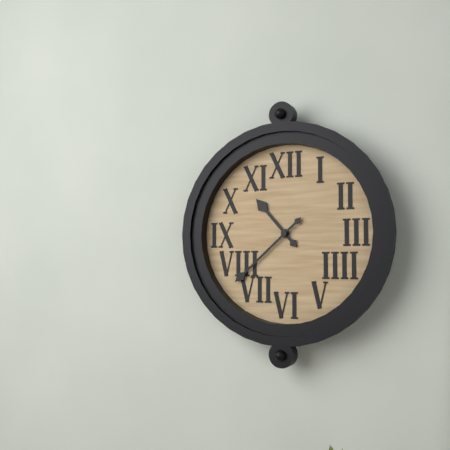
10:38
